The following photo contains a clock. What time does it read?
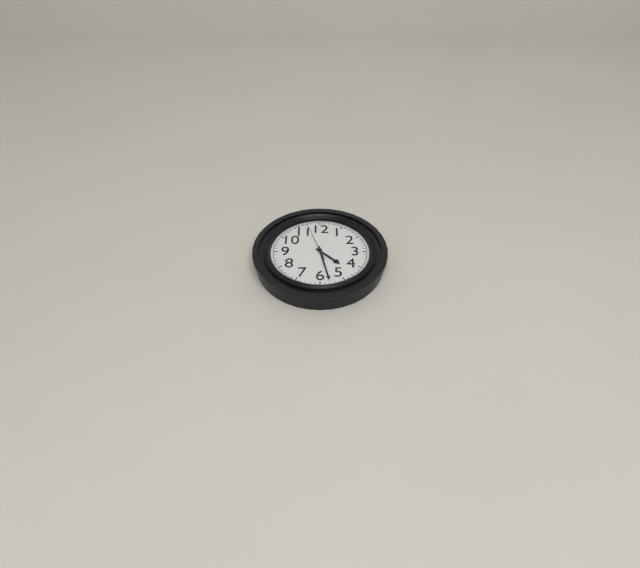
4:28
